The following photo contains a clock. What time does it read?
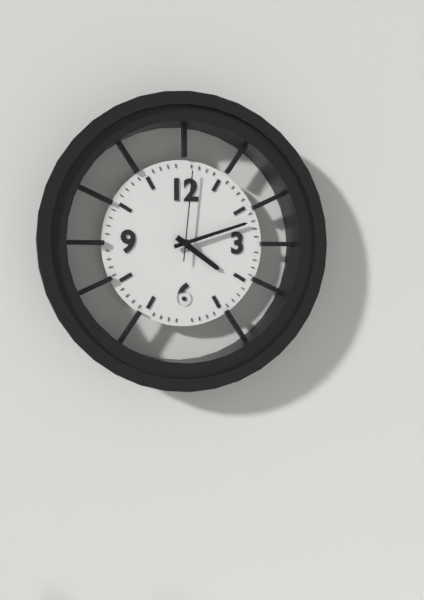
4:12:01
